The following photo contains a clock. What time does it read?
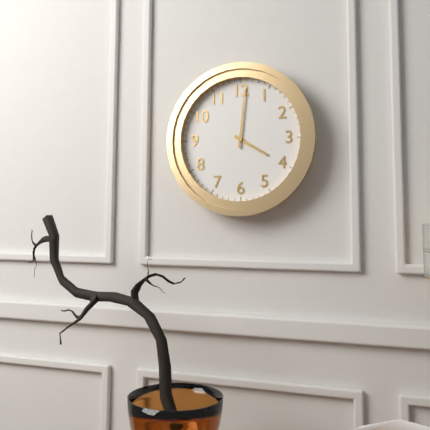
4:01
